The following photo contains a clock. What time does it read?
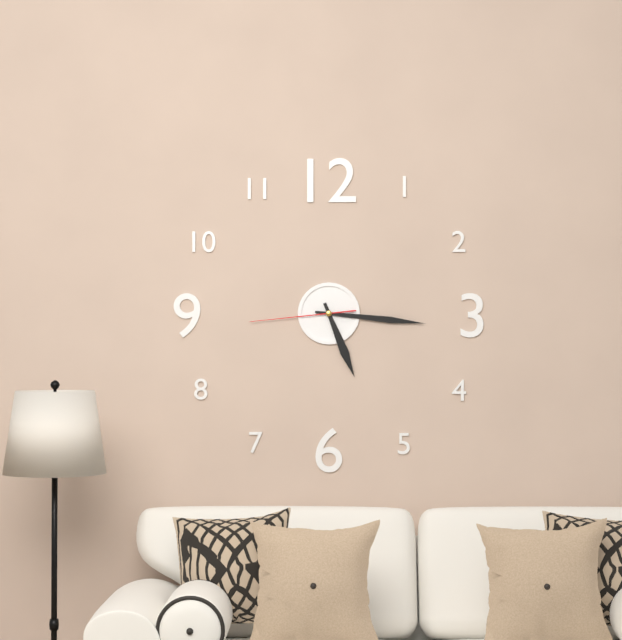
5:16:44
